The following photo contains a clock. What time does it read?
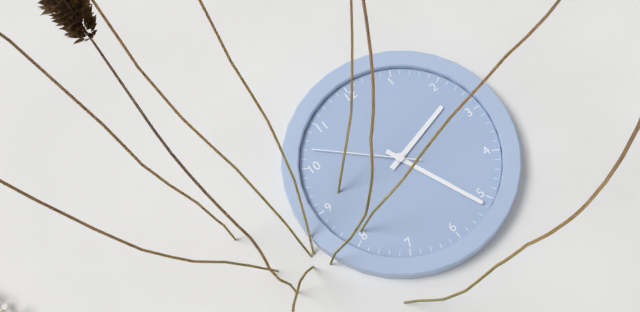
2:26:52
